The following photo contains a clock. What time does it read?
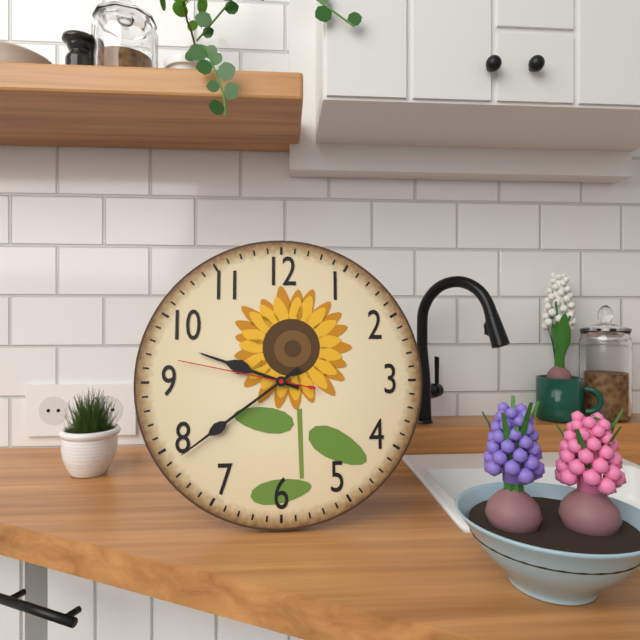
9:39:47
